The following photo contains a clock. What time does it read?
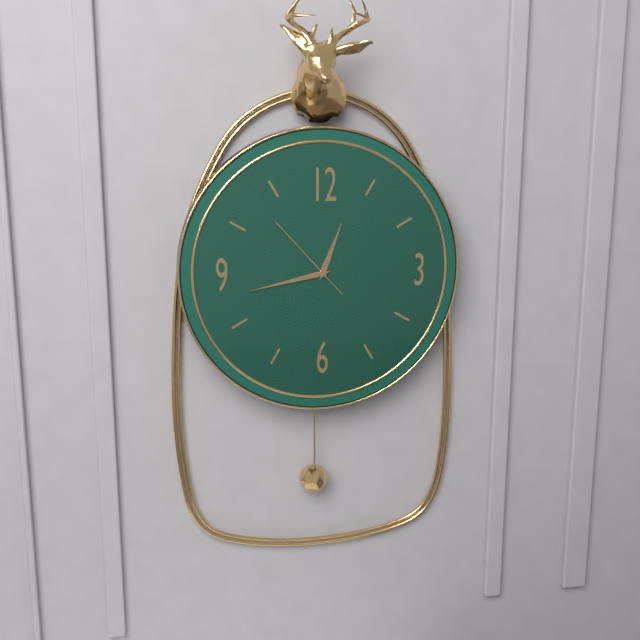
12:43:53
